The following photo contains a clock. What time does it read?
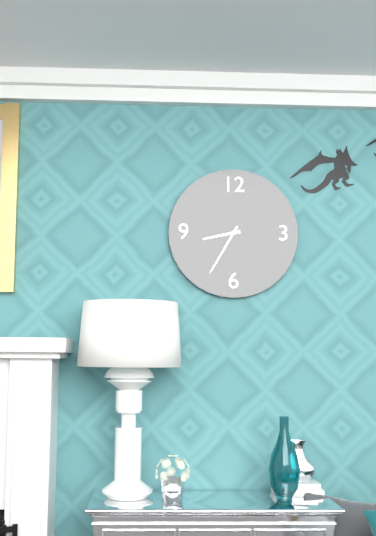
8:35
